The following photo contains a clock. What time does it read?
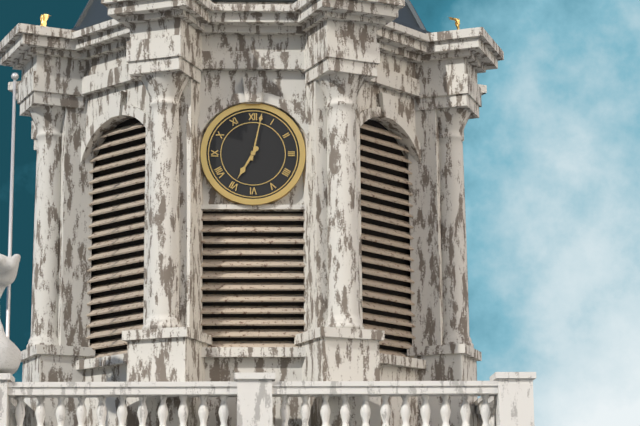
7:02
